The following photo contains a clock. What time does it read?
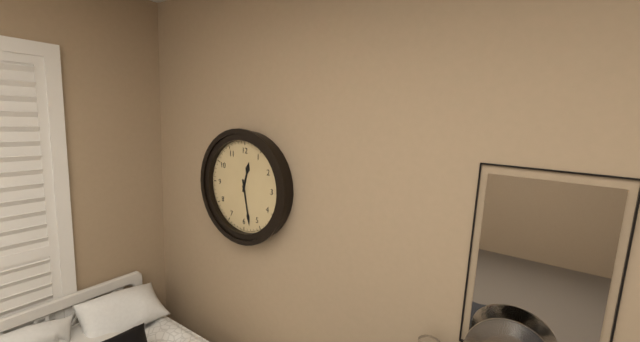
12:28
